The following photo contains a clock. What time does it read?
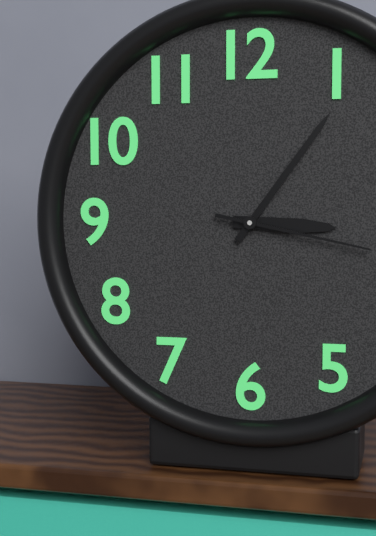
3:06:17
